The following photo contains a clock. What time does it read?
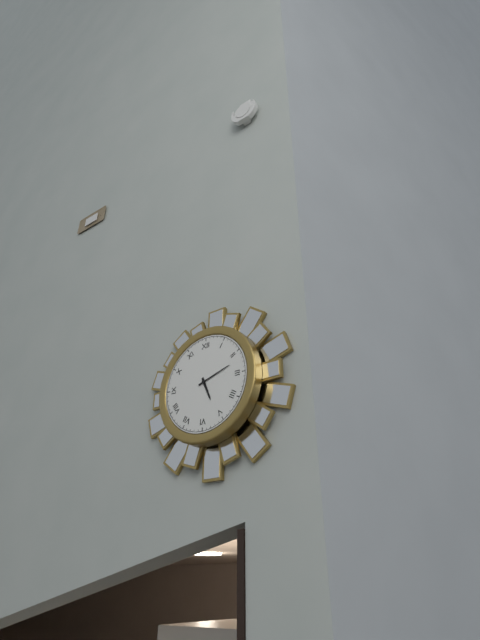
5:12
